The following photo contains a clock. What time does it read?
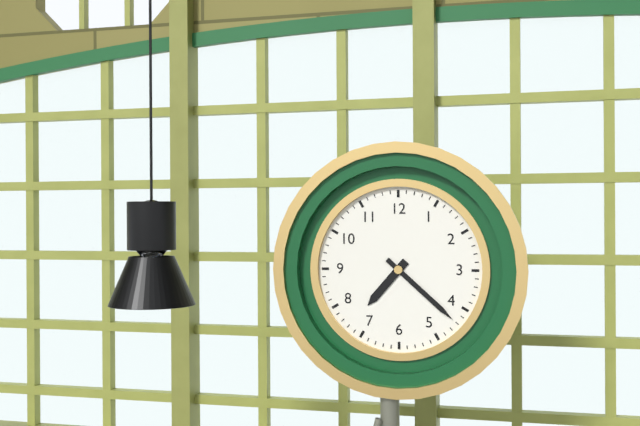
7:22
